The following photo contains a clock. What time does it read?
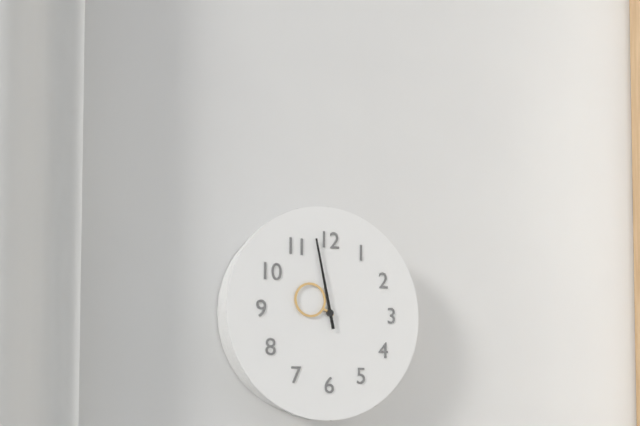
9:58
